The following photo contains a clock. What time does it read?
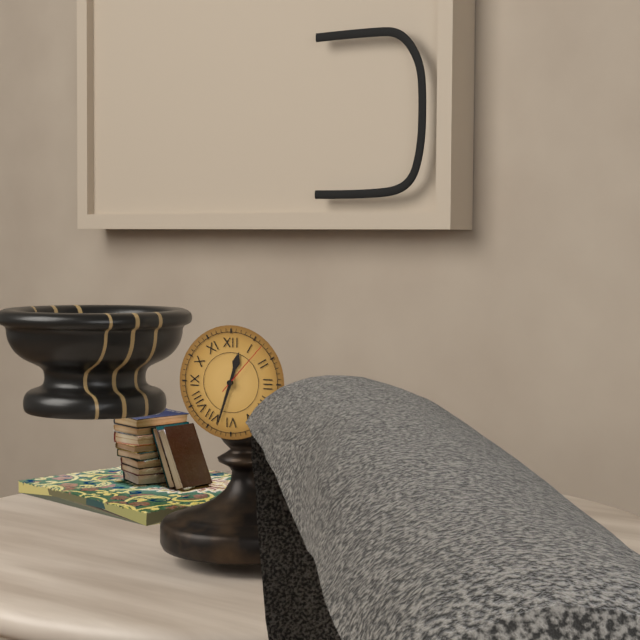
12:33:07
